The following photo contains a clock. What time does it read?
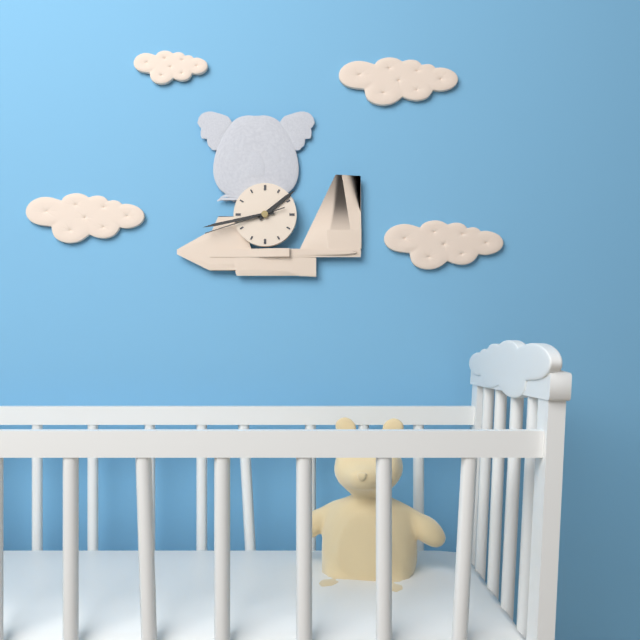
1:43:42
